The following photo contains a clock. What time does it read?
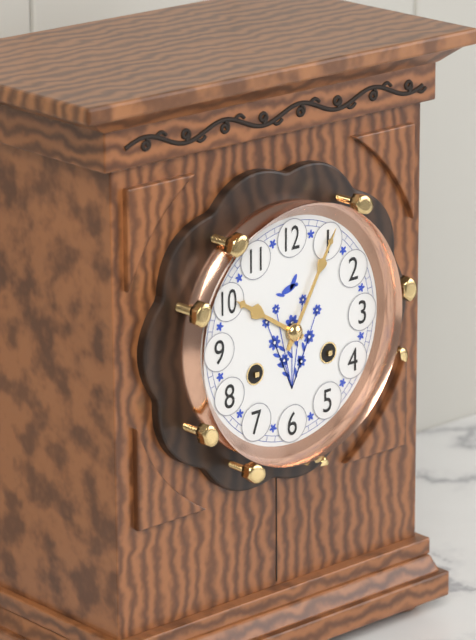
10:05
